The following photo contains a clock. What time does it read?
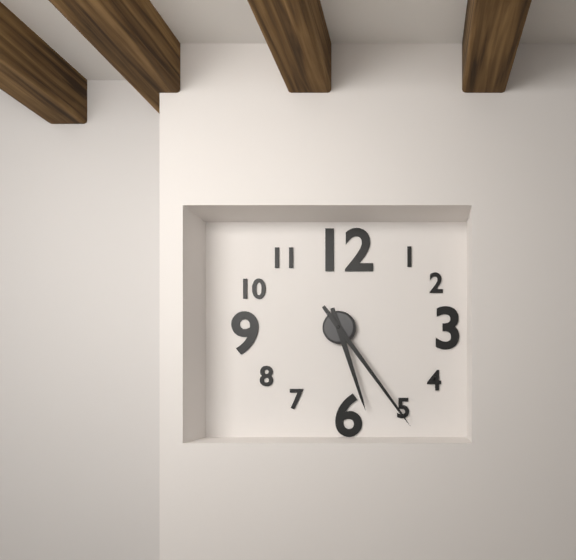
5:24
